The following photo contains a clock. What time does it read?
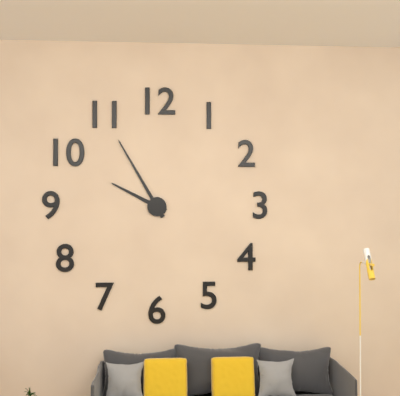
9:55
